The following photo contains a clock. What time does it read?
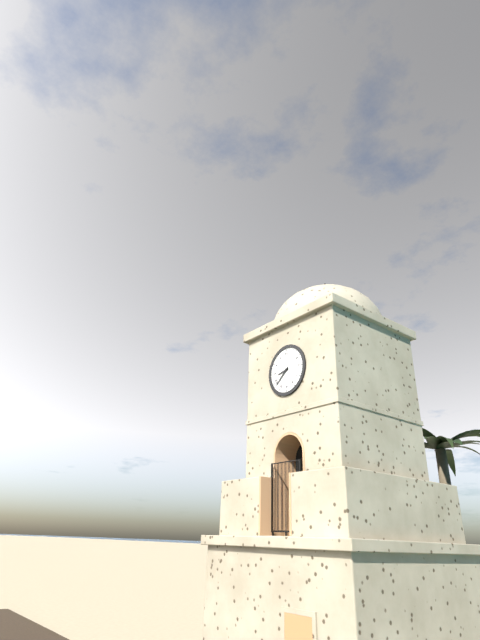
8:38
